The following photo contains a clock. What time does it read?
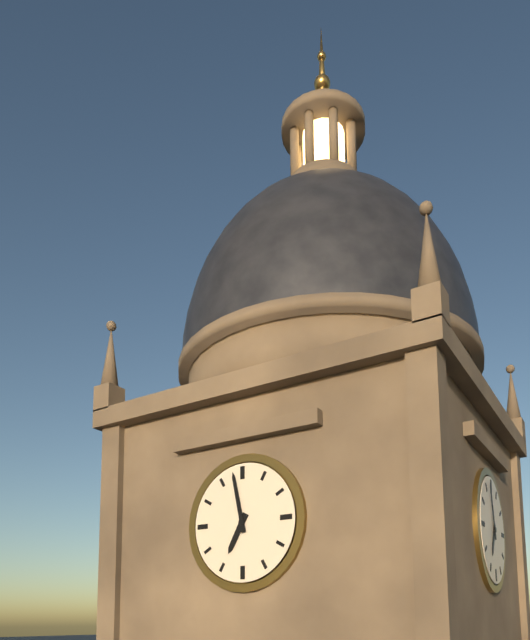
6:58
